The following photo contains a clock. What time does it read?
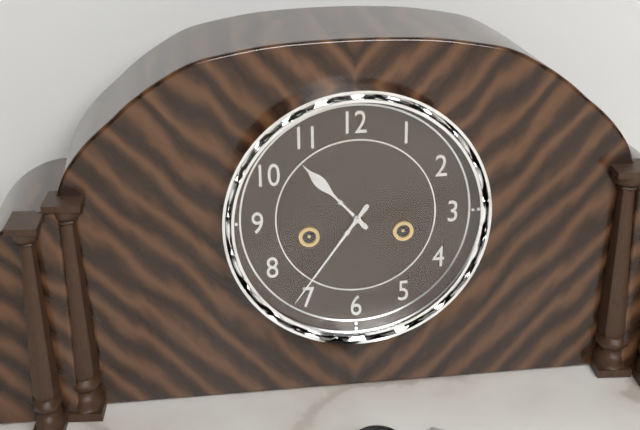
10:36
